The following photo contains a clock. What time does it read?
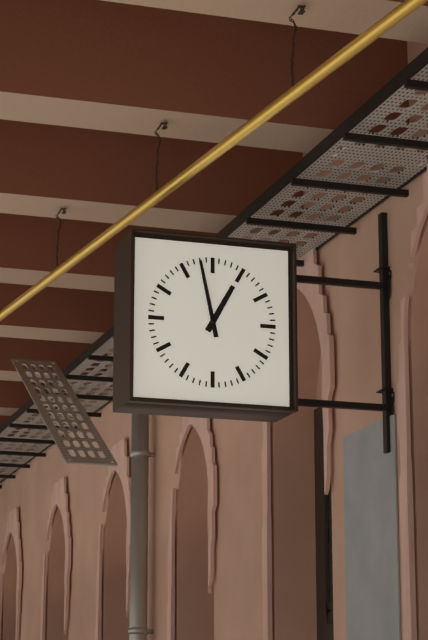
12:58
